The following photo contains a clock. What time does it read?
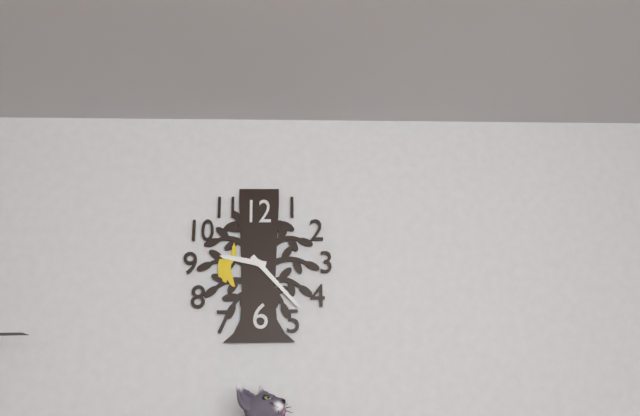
9:23
